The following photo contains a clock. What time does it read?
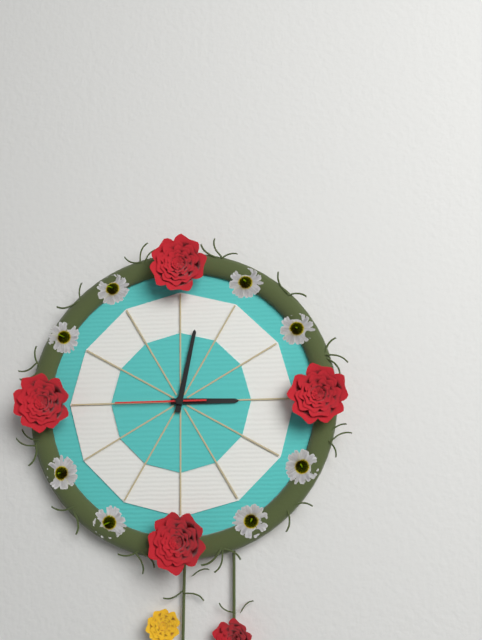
3:02:45
